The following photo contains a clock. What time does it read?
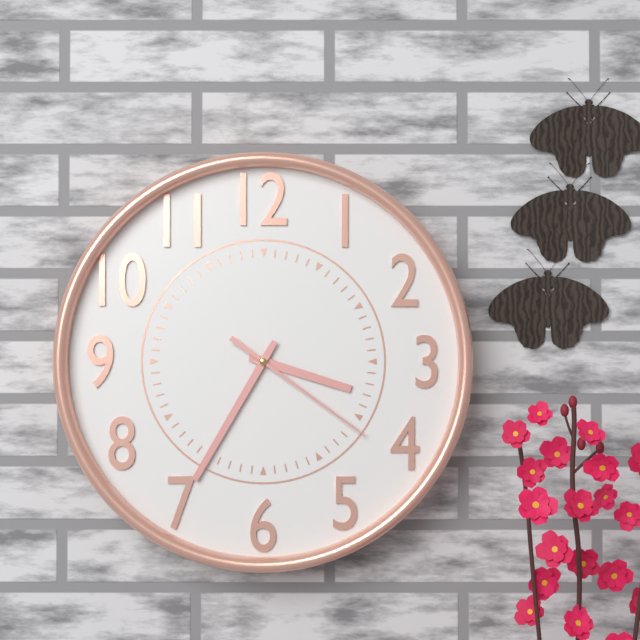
3:35:21
